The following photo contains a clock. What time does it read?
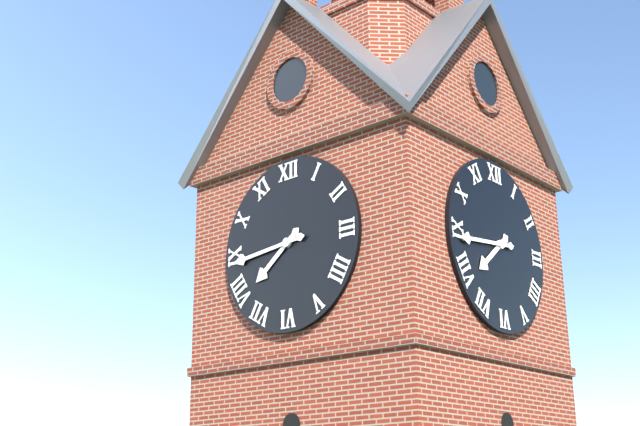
7:44
